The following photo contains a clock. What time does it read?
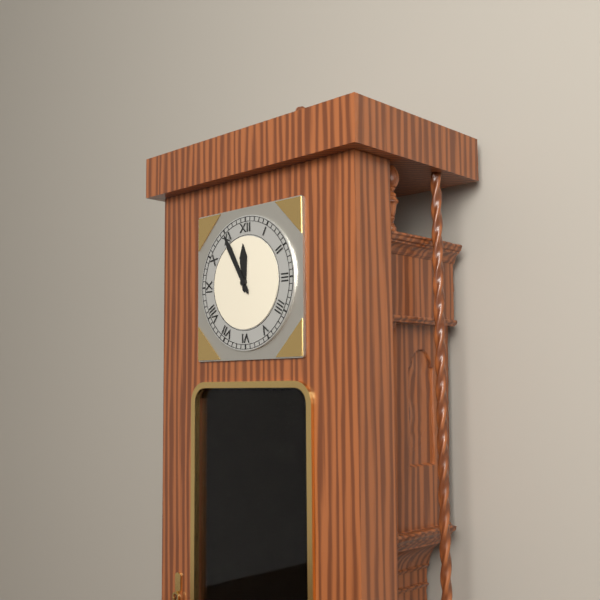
11:55
